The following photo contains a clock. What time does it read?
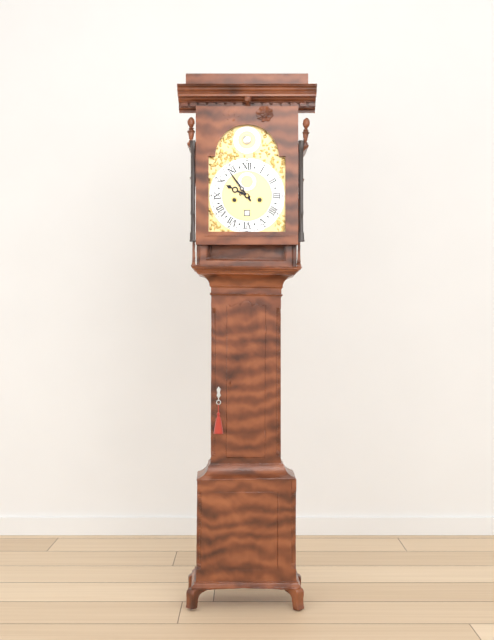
9:54
